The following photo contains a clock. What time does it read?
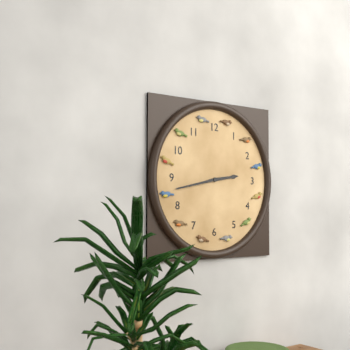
2:43
